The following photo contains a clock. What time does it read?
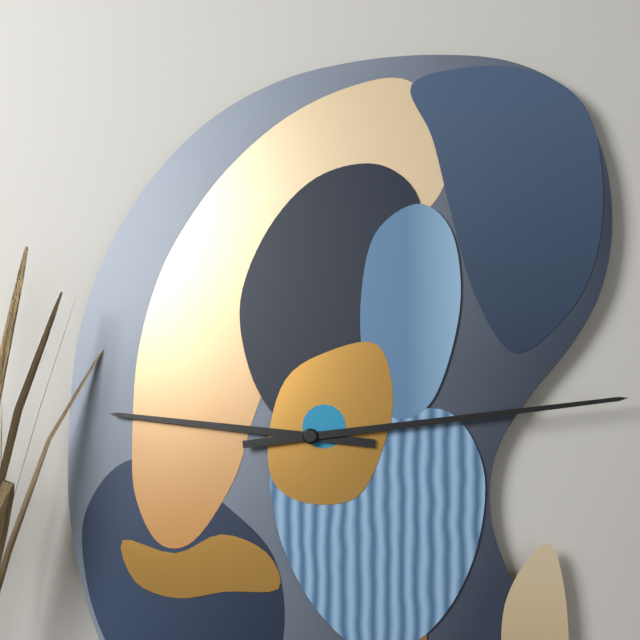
9:14
